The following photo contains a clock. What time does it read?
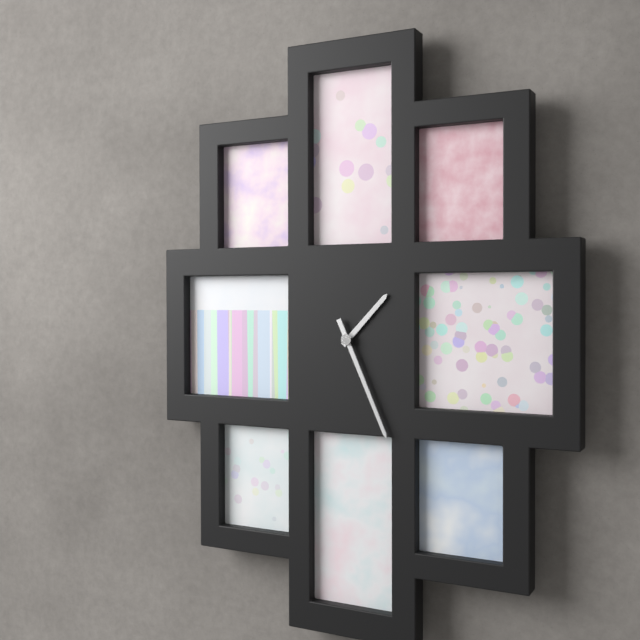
1:26
